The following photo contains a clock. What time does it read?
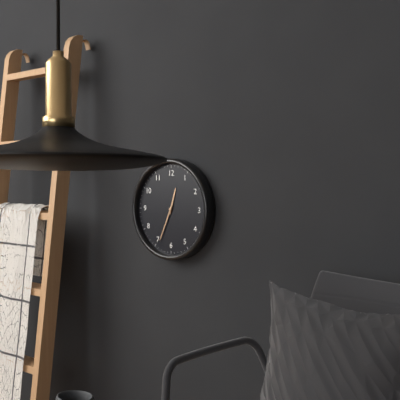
12:34
